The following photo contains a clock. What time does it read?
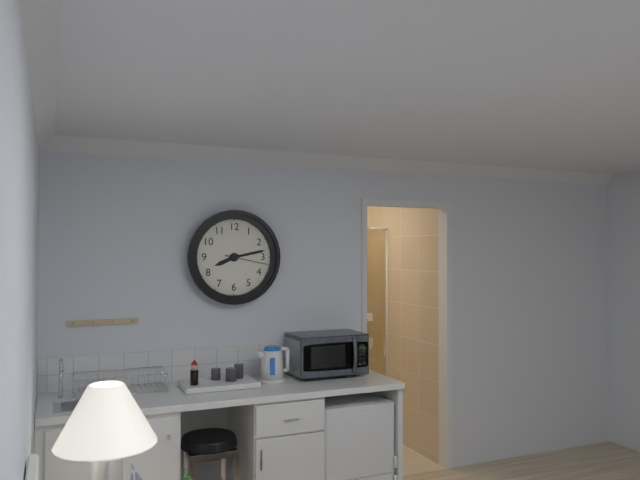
8:13
